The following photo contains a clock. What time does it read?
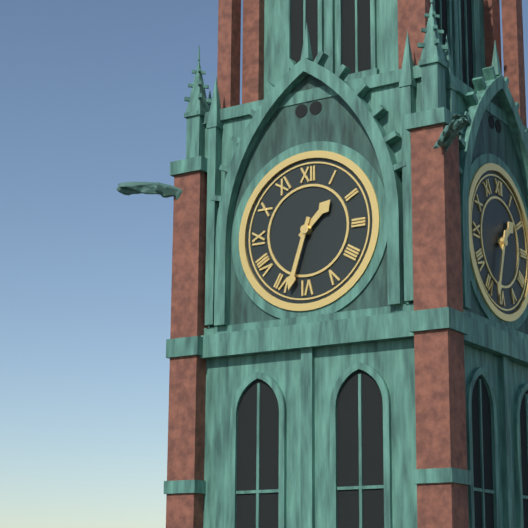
1:33
